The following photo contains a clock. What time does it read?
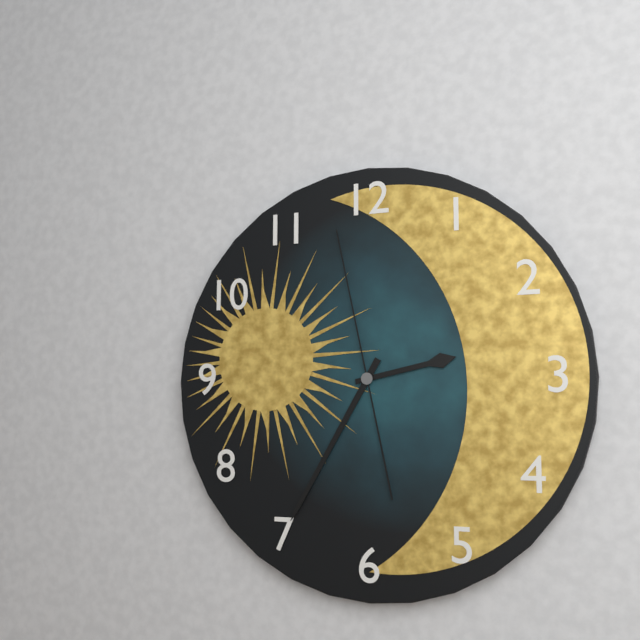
2:35:58
